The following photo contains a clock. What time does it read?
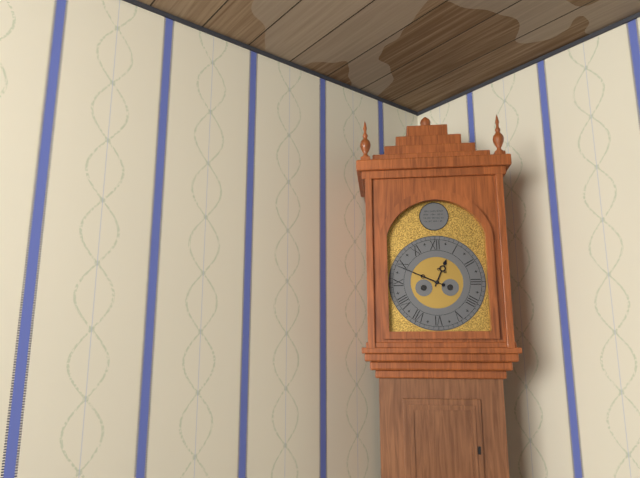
12:49
